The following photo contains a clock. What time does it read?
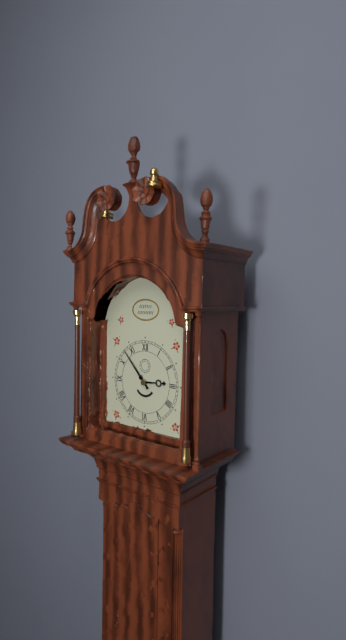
2:53
